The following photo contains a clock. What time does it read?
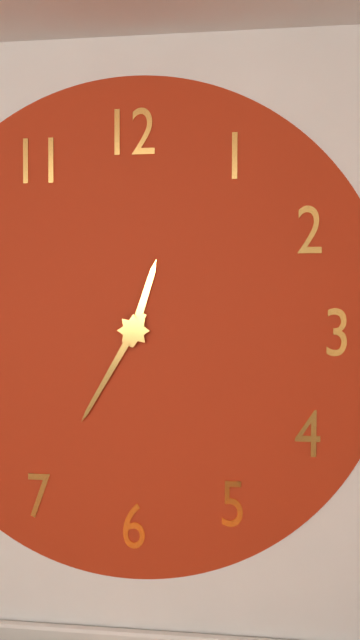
12:35
